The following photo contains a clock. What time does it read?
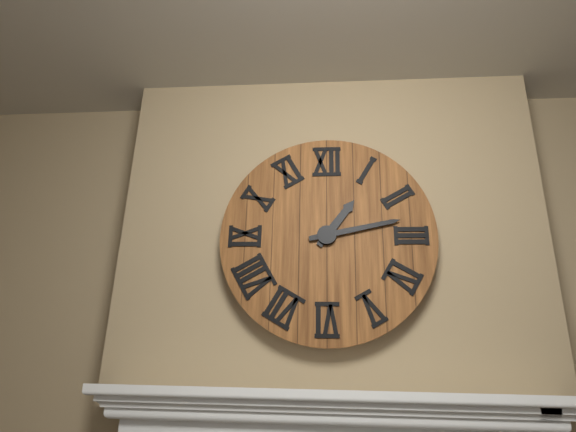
1:13
